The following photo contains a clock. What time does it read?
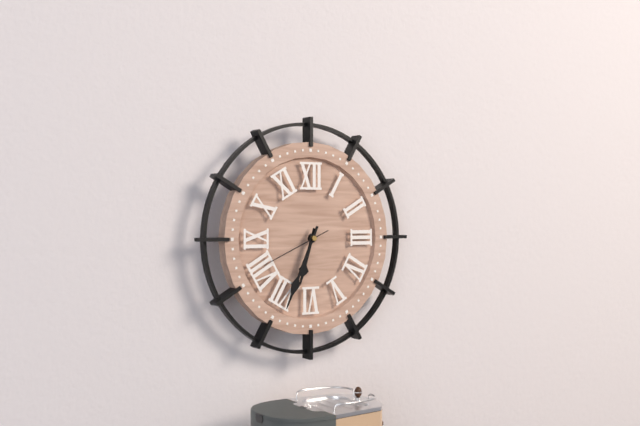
6:34:41
